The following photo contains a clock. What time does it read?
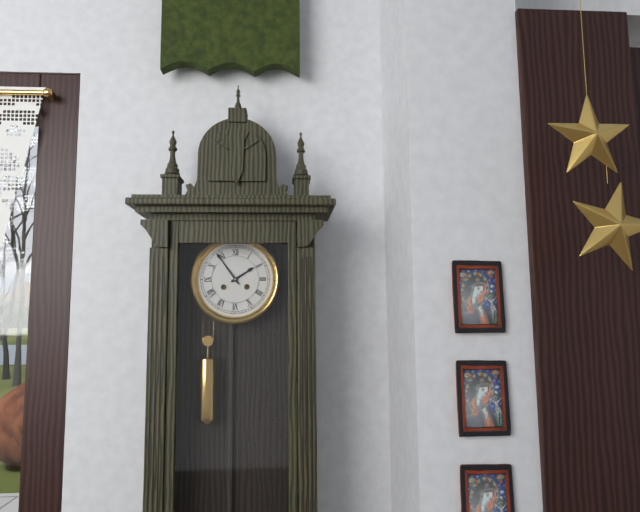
1:54
